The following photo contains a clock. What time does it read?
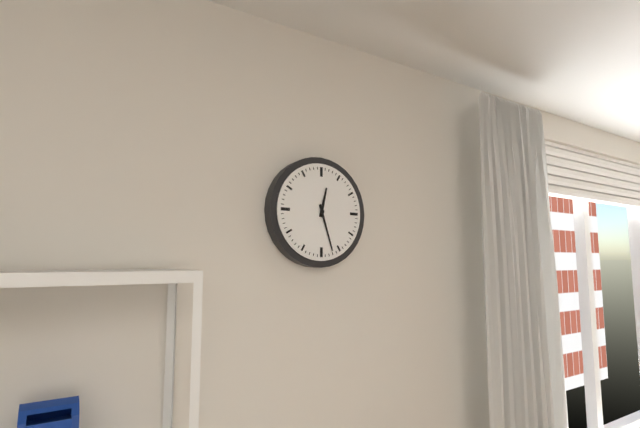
12:27
